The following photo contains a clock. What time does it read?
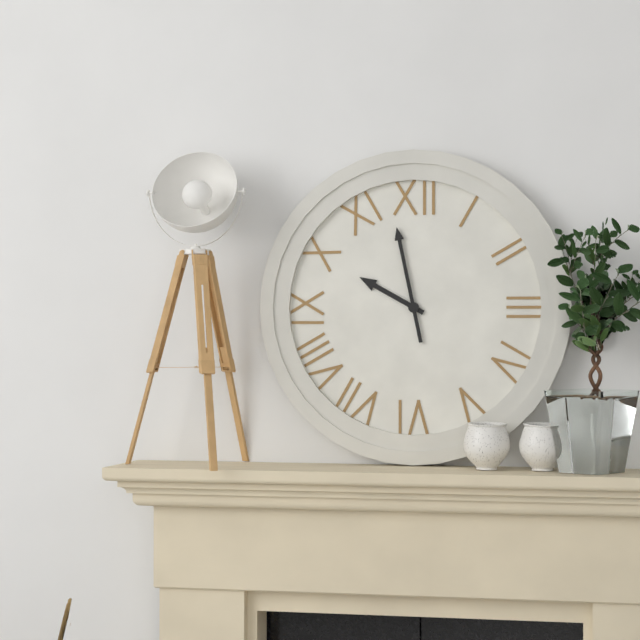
9:58
